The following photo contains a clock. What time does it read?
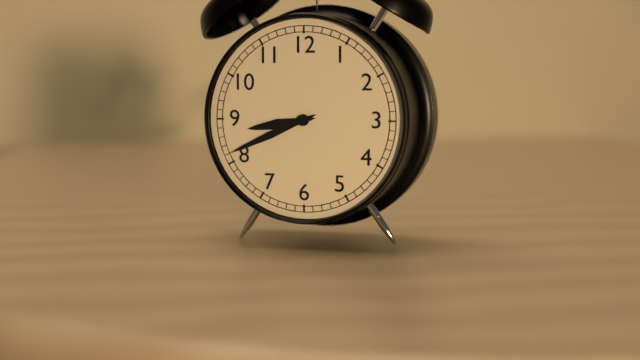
8:41
